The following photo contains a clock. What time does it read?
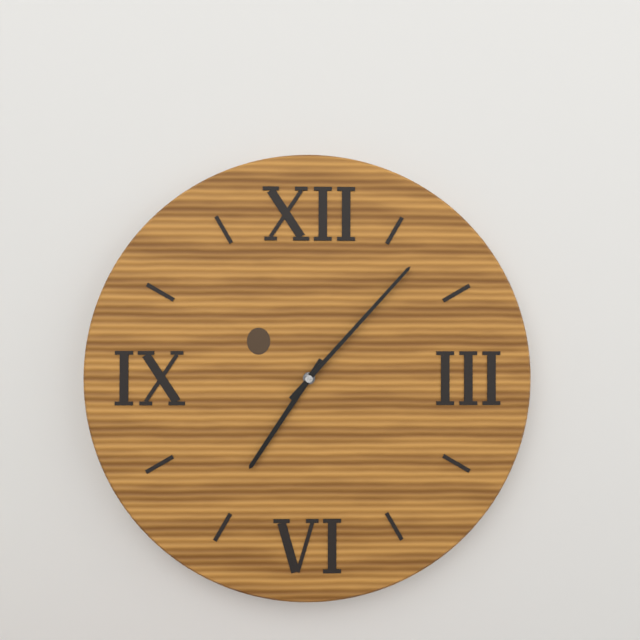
7:07
